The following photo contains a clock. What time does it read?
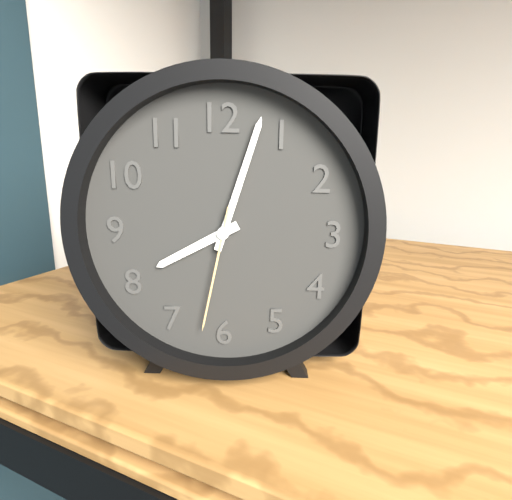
8:03:32
